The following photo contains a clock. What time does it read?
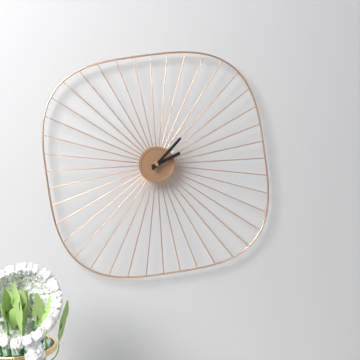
2:07
